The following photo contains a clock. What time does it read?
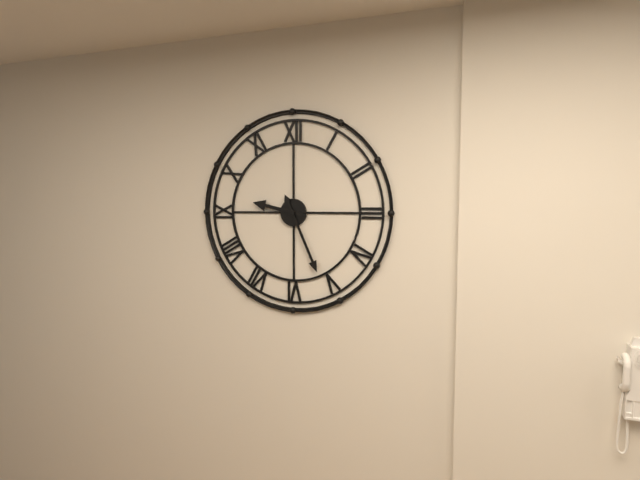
9:26
